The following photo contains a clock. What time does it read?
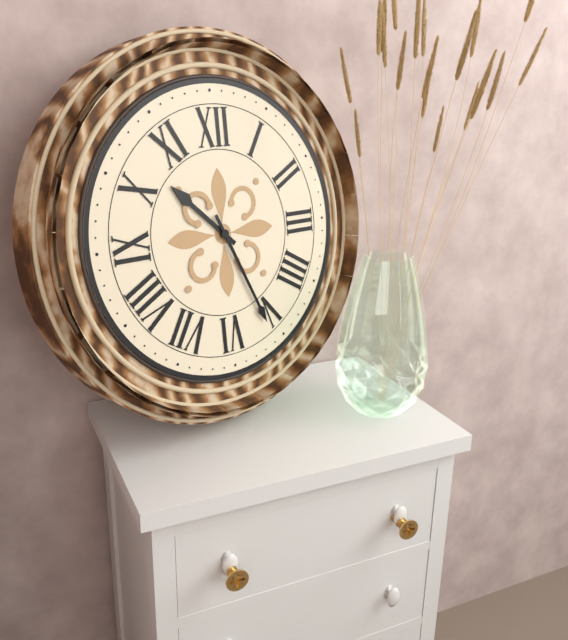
10:26
